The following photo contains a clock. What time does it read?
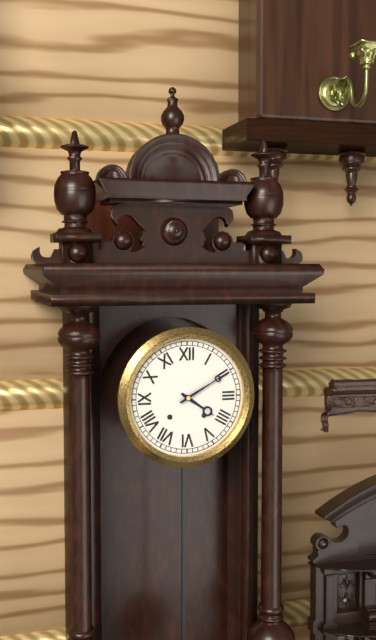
4:10
